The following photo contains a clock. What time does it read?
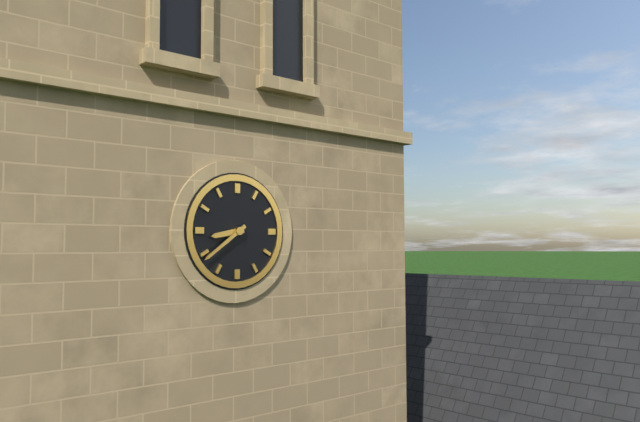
8:39
